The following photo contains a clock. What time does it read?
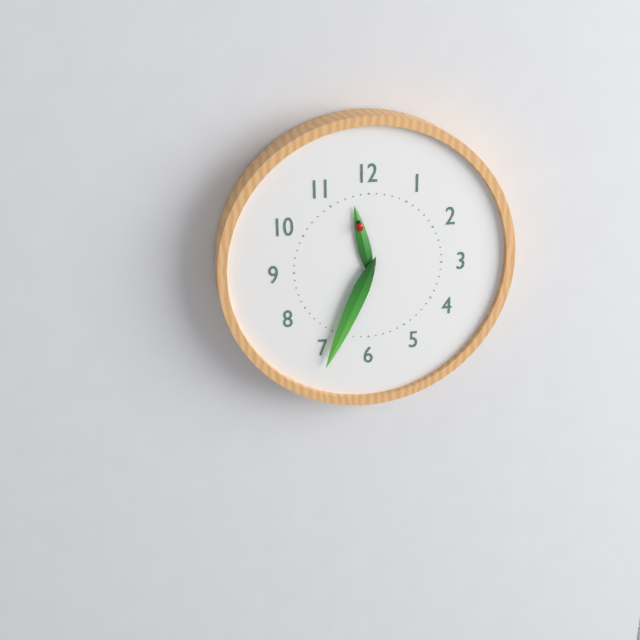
11:34
